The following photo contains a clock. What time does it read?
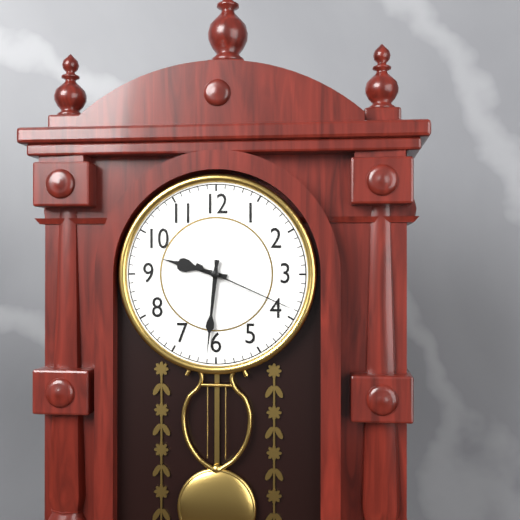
9:31:19
